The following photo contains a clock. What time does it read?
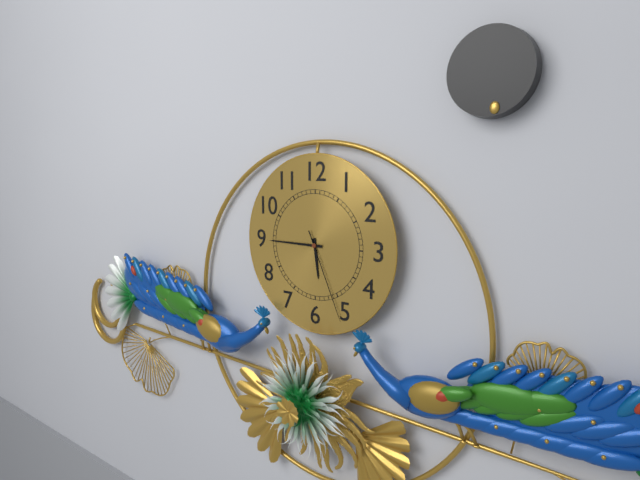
5:45:26
